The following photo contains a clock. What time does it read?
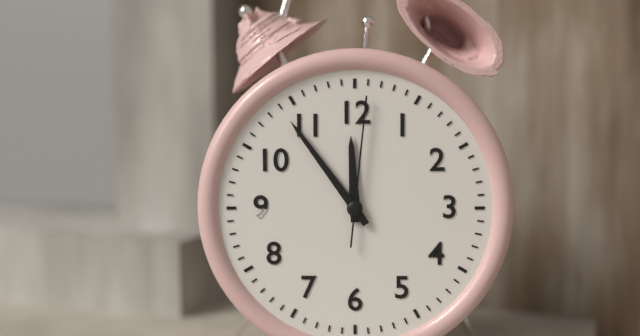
11:54:01
